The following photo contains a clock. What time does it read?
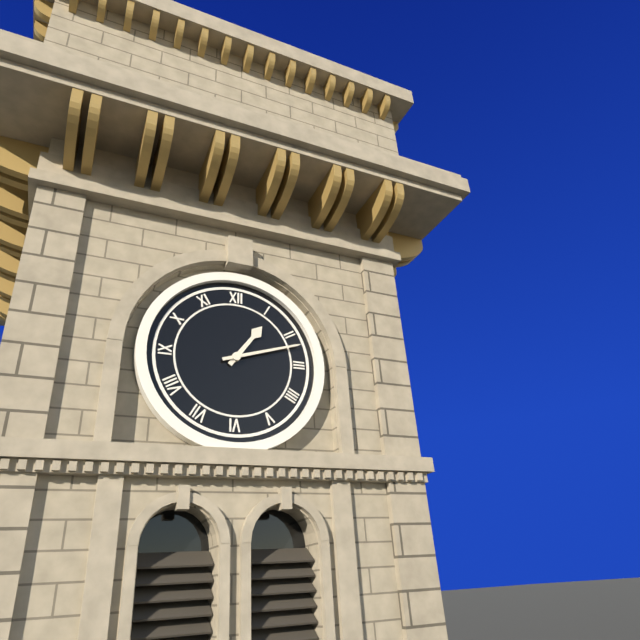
1:12
